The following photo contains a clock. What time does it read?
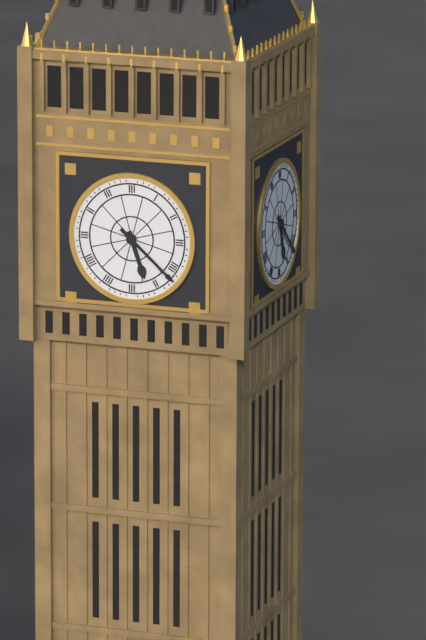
5:22
